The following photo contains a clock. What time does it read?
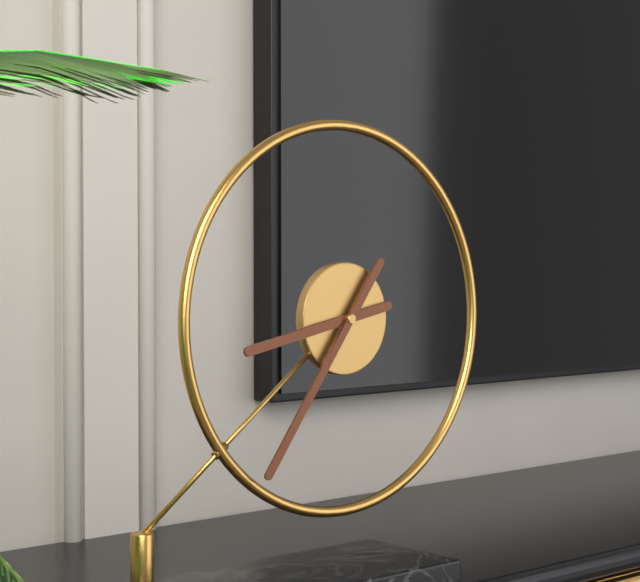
8:36
